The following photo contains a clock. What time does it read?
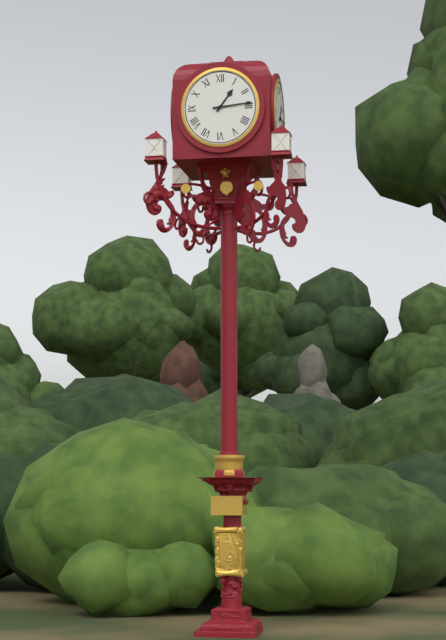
1:14
